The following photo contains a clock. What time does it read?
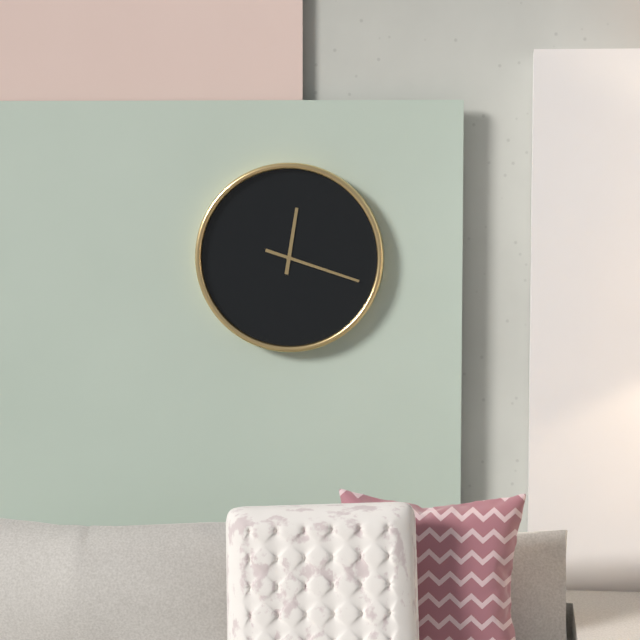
12:18
